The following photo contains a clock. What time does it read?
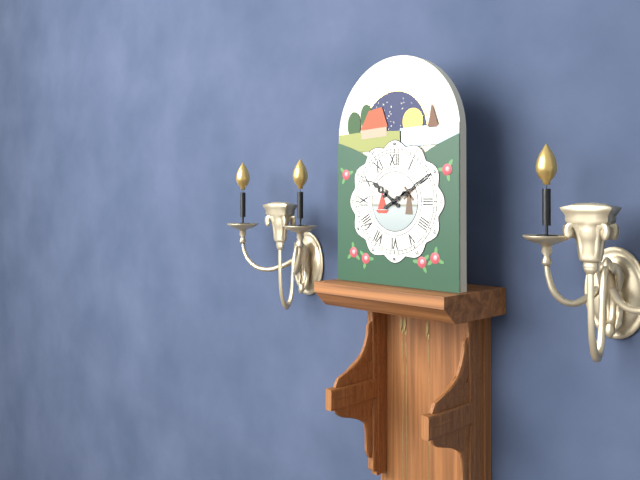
10:10
